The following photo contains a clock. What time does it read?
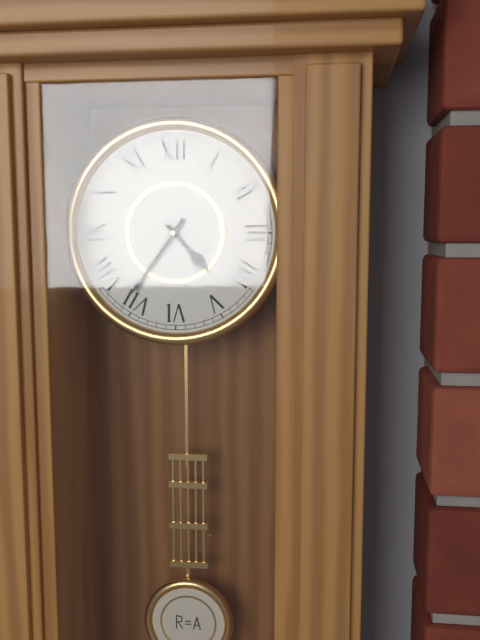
4:36
